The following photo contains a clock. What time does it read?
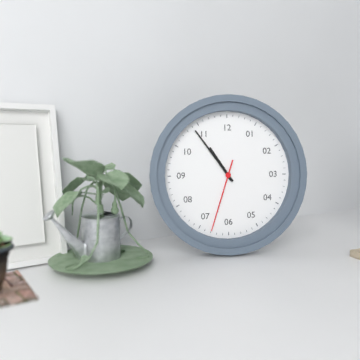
10:54:33
